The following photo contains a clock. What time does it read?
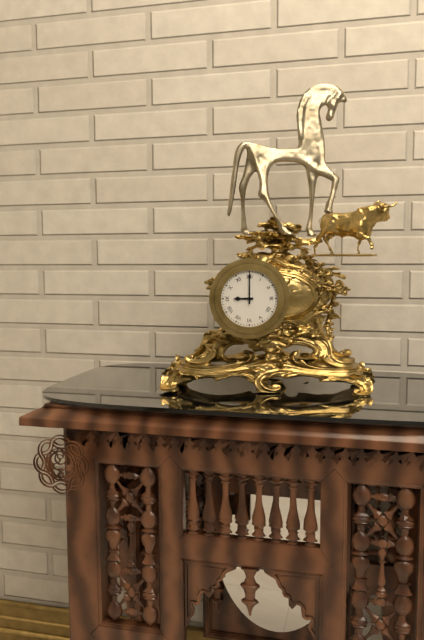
9:00
